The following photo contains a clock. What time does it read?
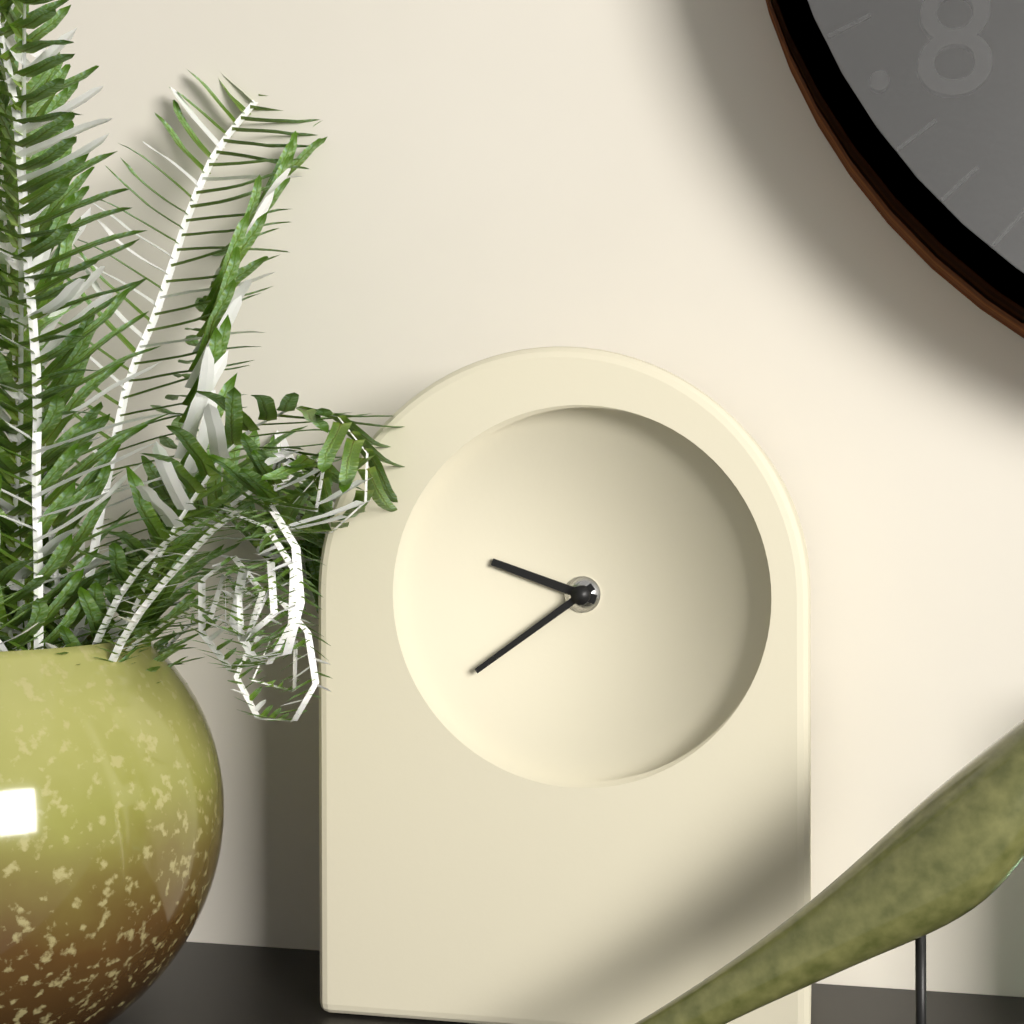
9:39
